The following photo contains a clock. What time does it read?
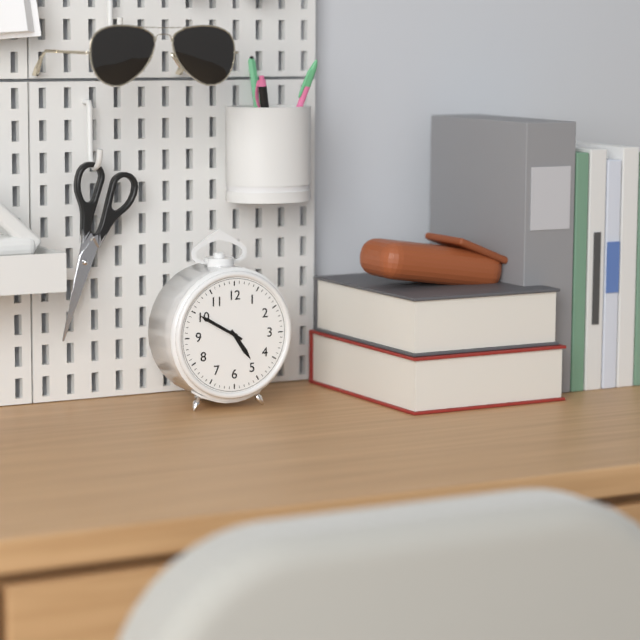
4:50
